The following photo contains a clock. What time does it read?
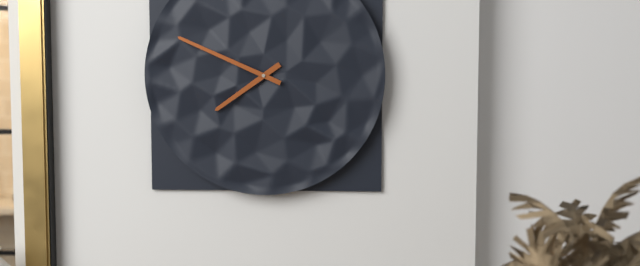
7:49
